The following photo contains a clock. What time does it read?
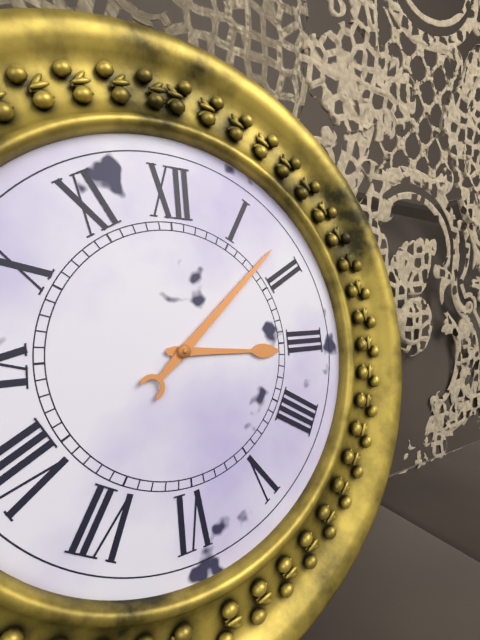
3:08
